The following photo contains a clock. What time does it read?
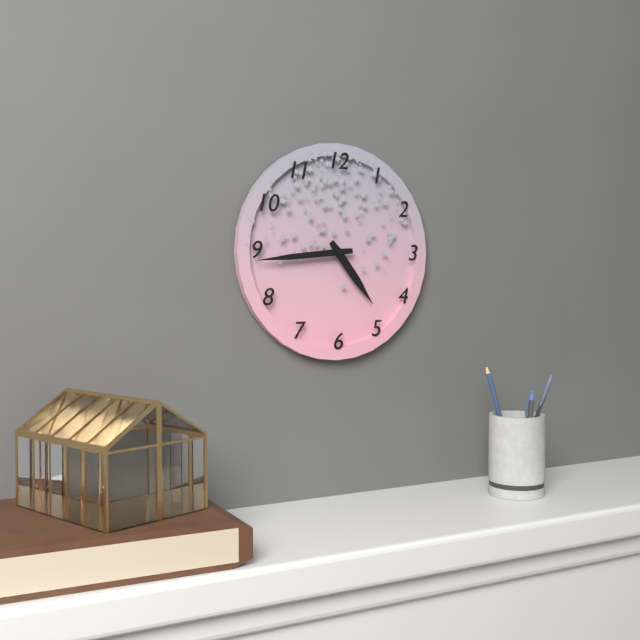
4:44
